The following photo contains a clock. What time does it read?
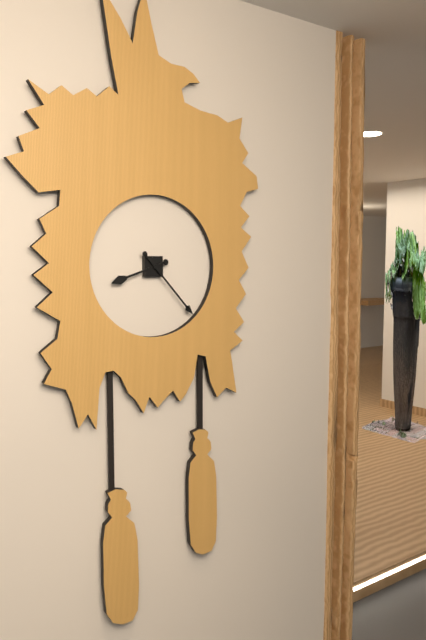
8:23
